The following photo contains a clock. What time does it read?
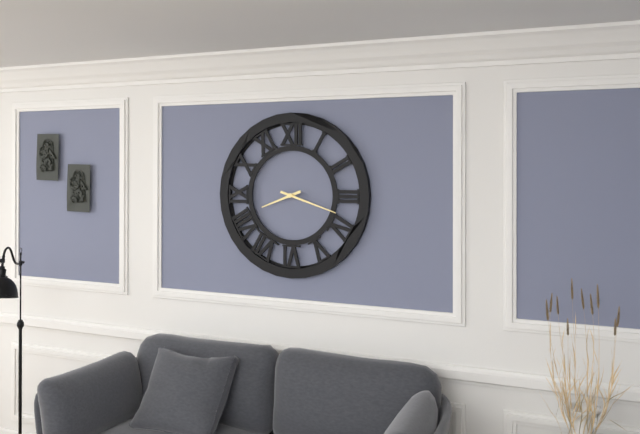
8:18
